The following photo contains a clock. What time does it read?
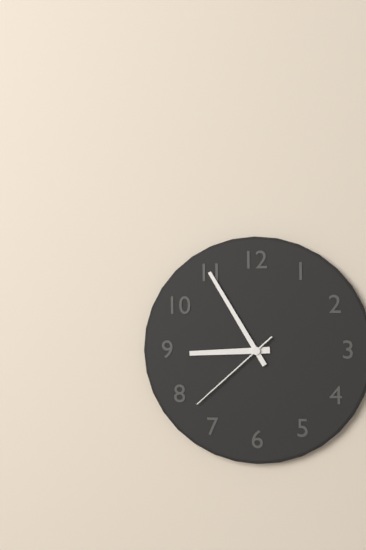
8:55:38
